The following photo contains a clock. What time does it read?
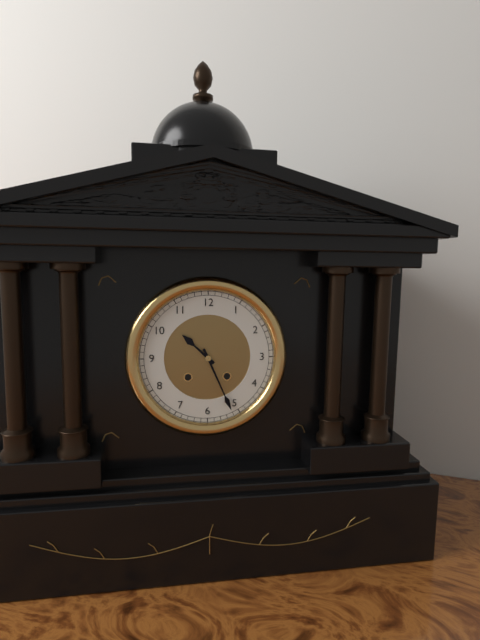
10:26
